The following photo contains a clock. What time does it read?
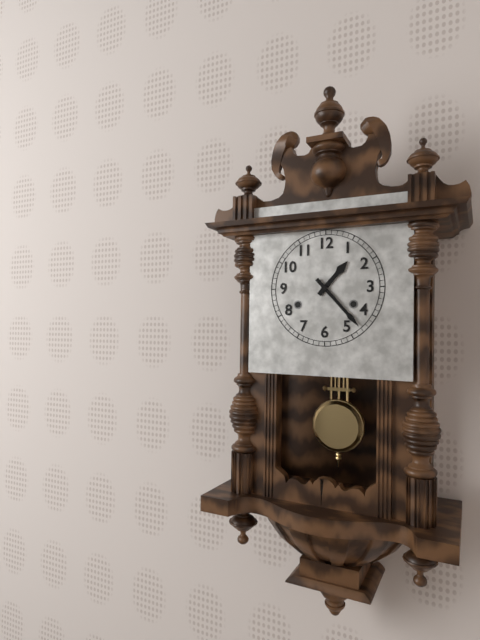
1:23
